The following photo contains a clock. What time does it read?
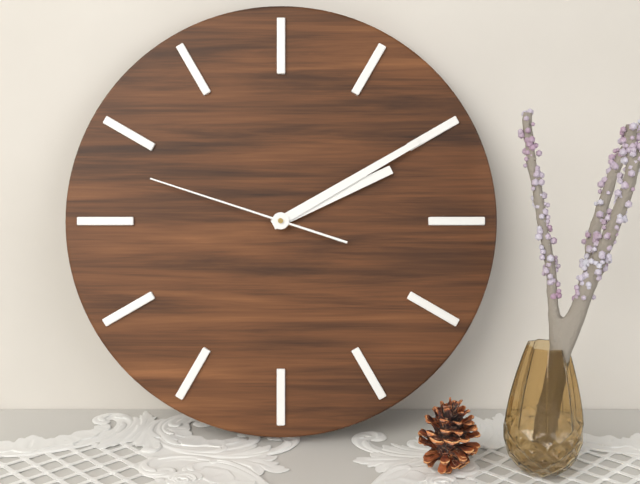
2:10:48
